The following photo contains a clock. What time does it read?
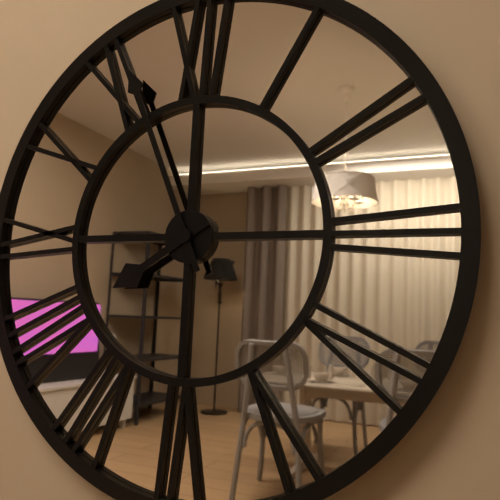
7:56
